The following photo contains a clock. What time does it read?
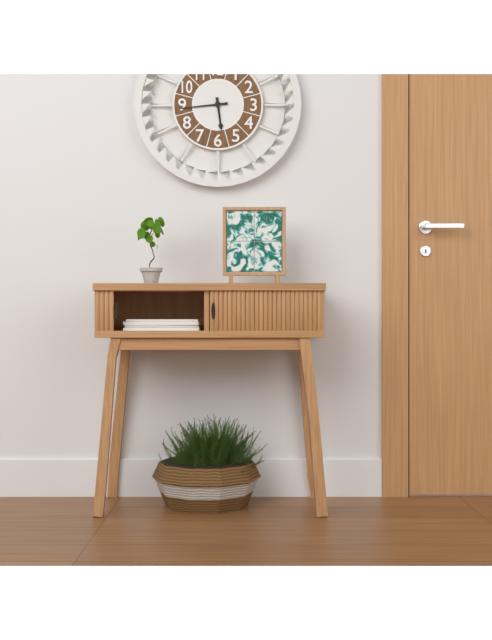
5:44
